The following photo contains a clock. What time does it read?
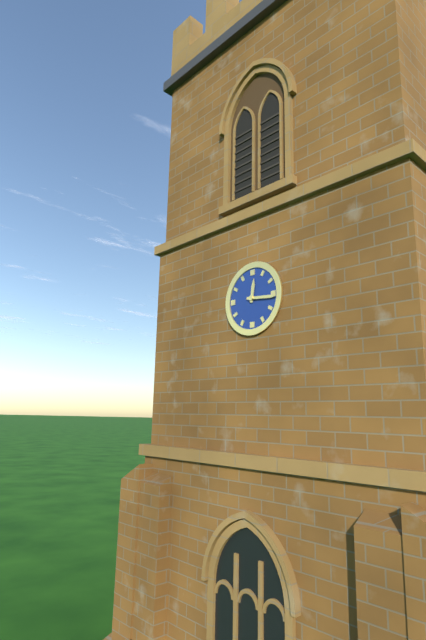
12:16
